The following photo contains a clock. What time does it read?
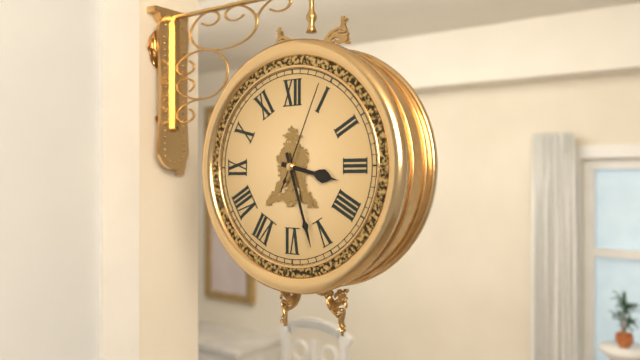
3:27:04
